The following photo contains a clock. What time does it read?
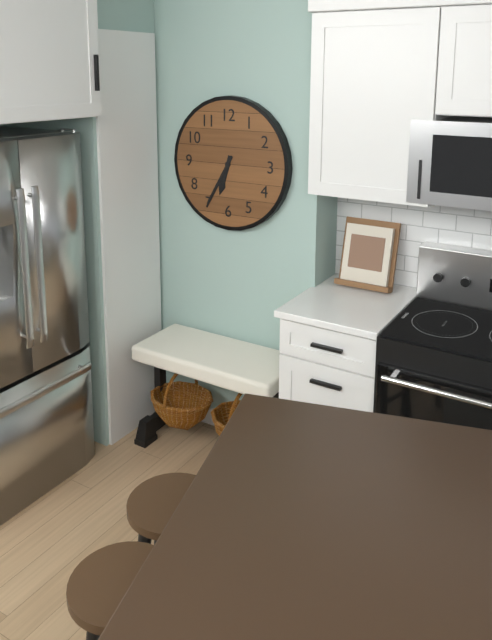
6:35
